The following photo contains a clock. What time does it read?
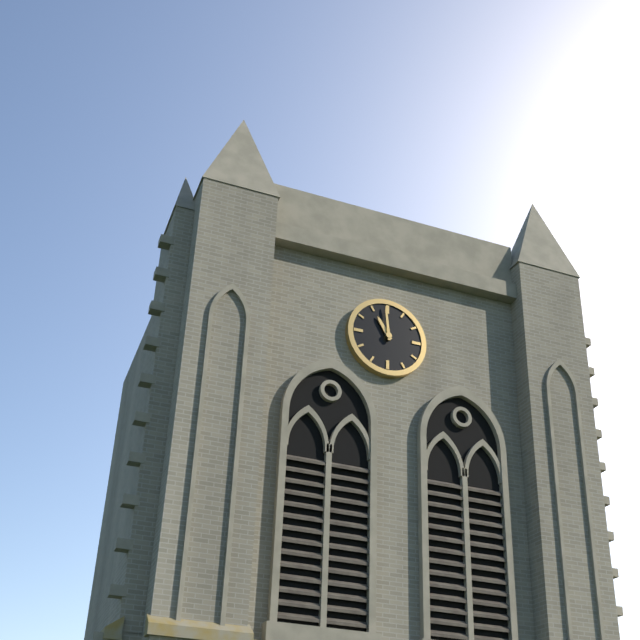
10:59
